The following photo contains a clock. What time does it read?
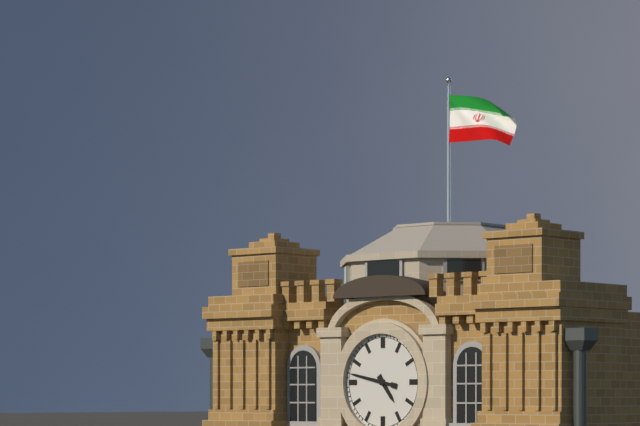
4:47
